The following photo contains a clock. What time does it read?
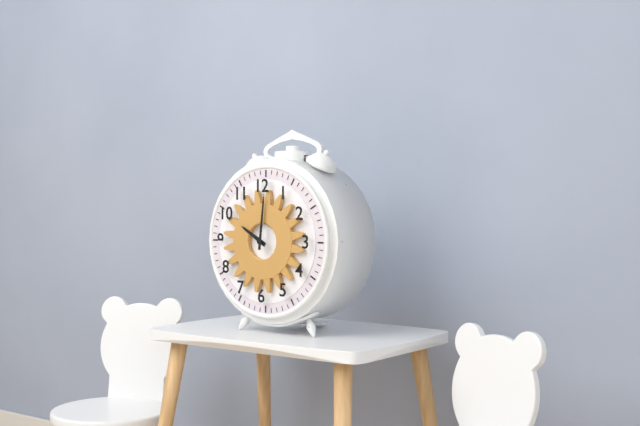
10:01
